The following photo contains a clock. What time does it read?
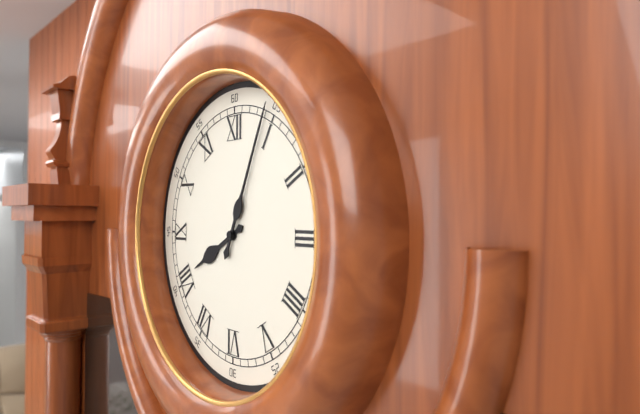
8:04
